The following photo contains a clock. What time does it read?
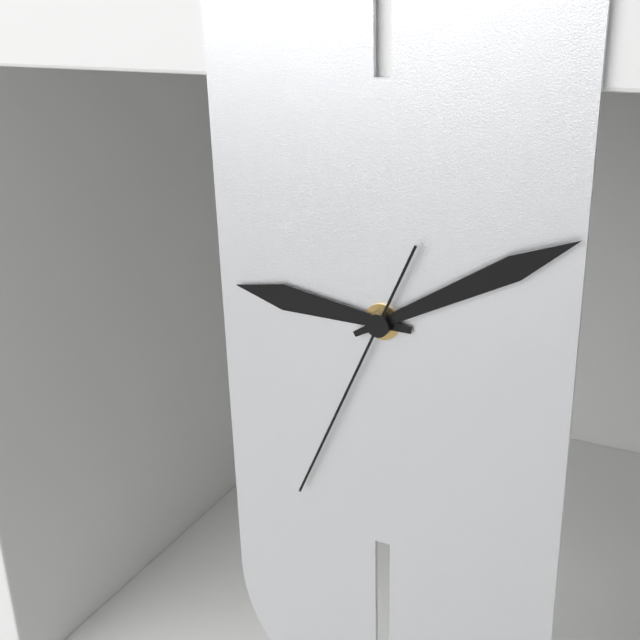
9:10:34
